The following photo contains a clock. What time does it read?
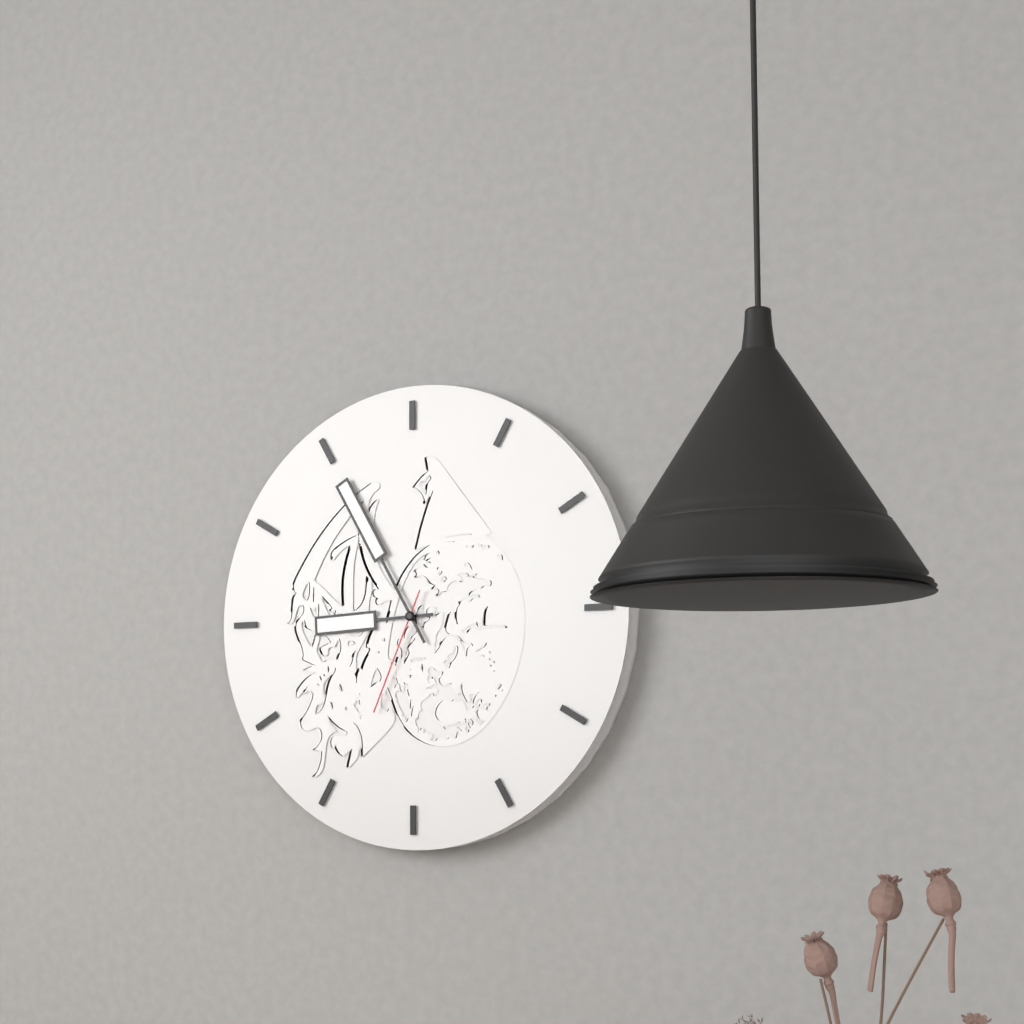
8:55:34
